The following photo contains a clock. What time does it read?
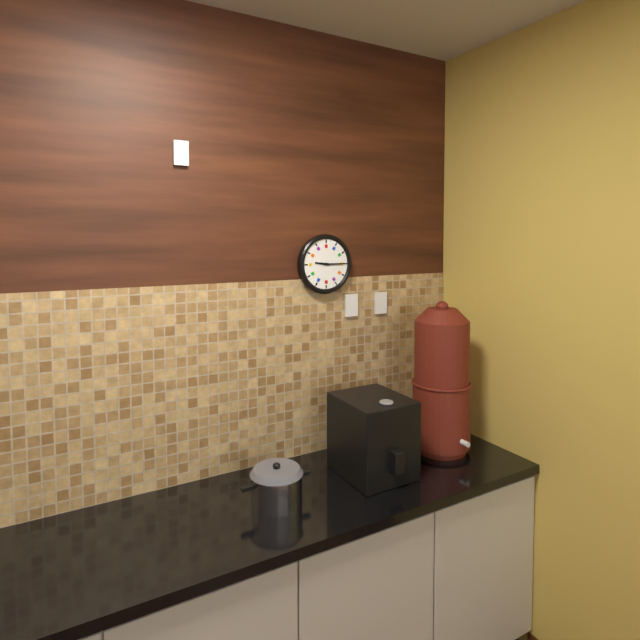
9:15
